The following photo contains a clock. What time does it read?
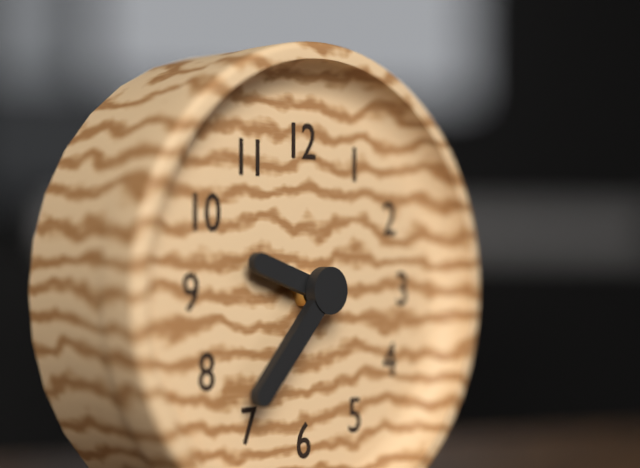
9:37
